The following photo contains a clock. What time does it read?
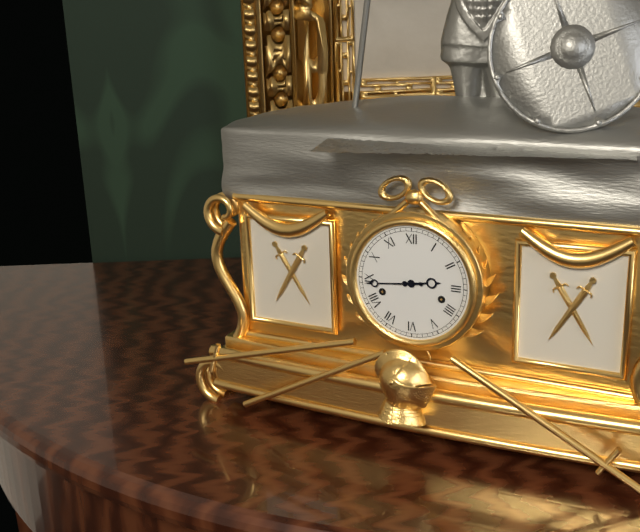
2:44
